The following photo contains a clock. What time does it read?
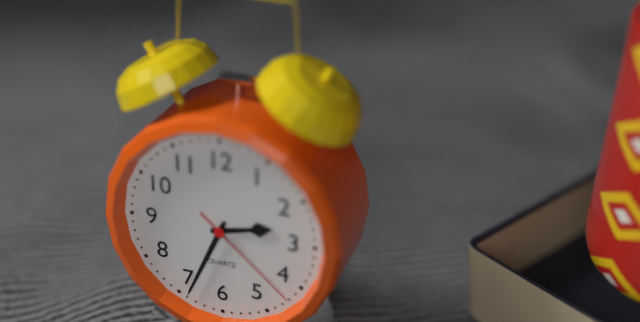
2:34:22
